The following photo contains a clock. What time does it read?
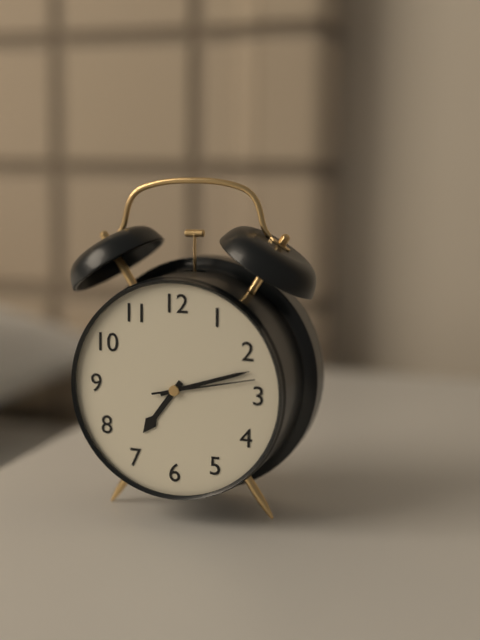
7:12:13
